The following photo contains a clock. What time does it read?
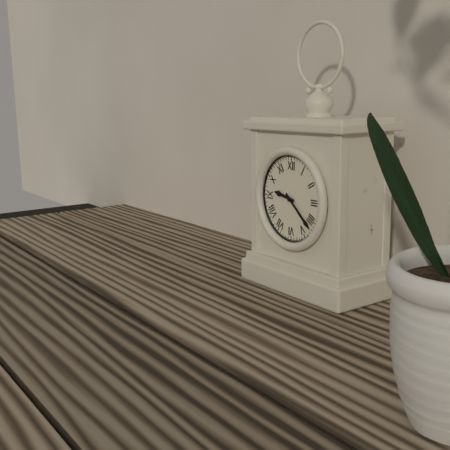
9:22
